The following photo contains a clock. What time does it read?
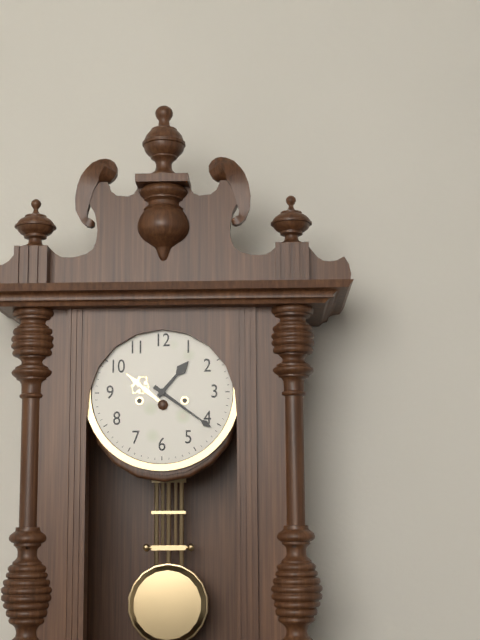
1:21
